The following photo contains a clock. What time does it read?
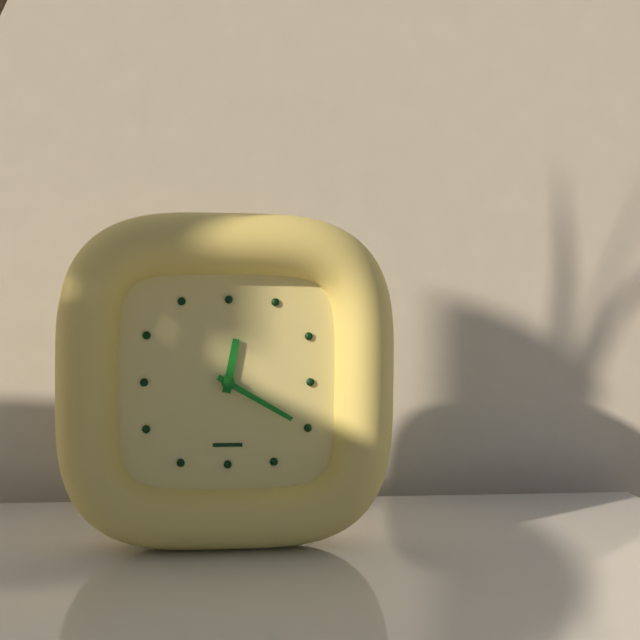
12:20
